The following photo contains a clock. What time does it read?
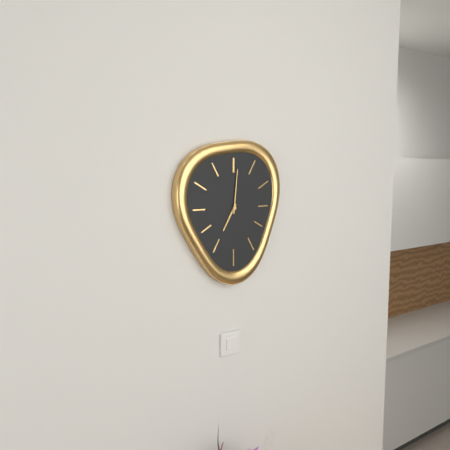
7:01
